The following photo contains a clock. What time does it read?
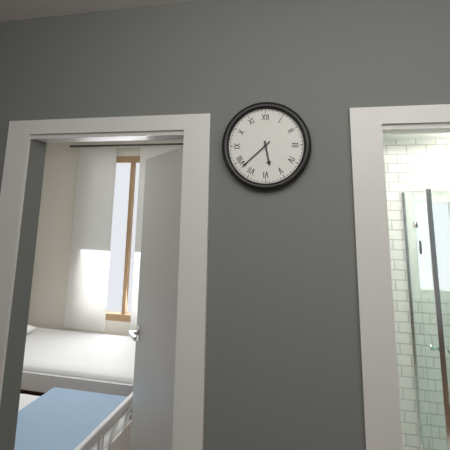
5:38
